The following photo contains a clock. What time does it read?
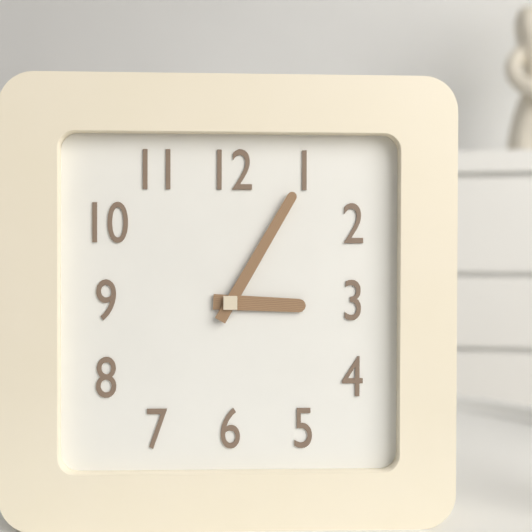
3:05
